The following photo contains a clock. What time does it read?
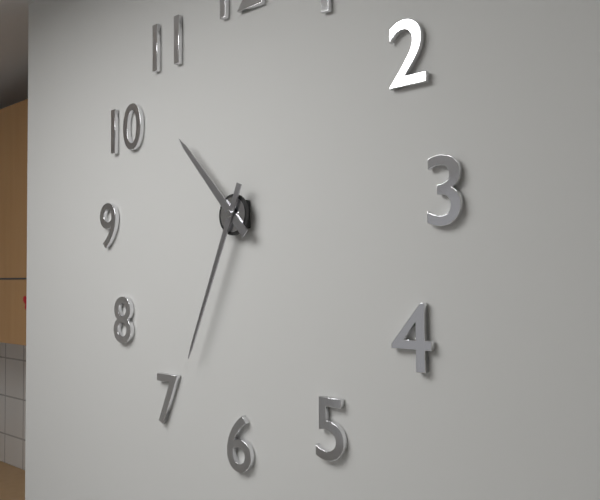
10:34
